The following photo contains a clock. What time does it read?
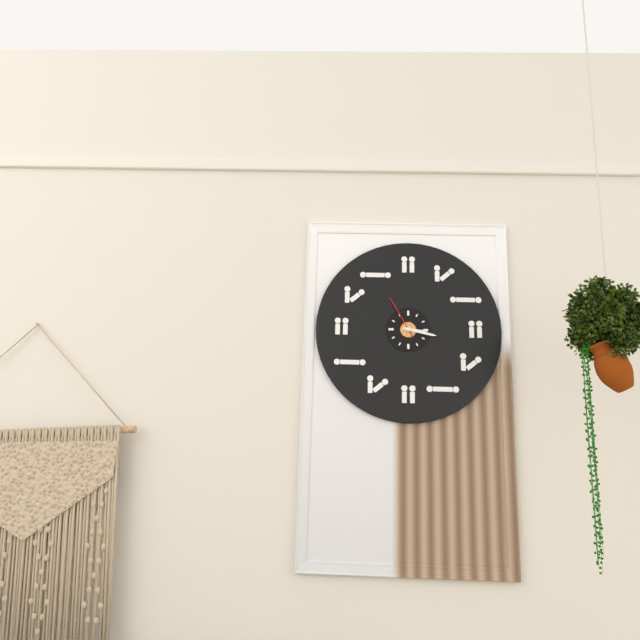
3:17
